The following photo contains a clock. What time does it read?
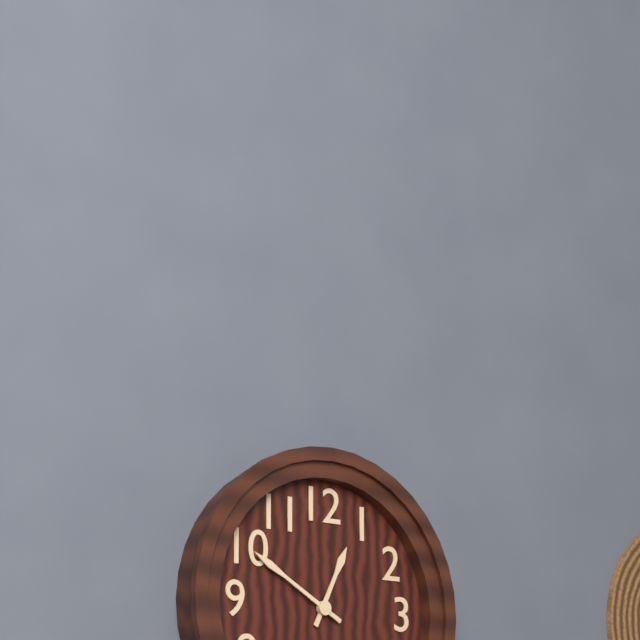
12:50
